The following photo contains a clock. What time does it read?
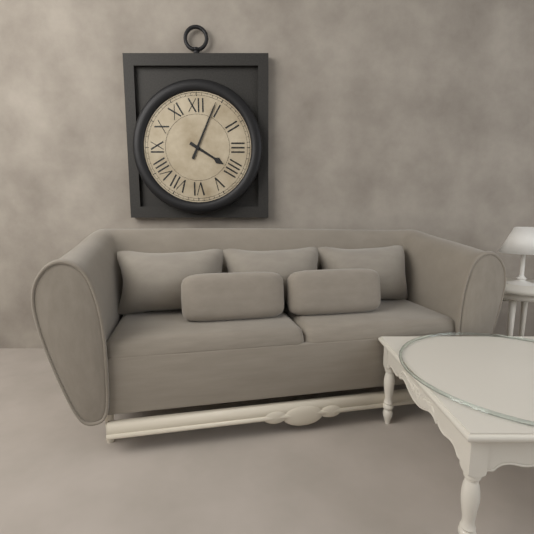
4:04
